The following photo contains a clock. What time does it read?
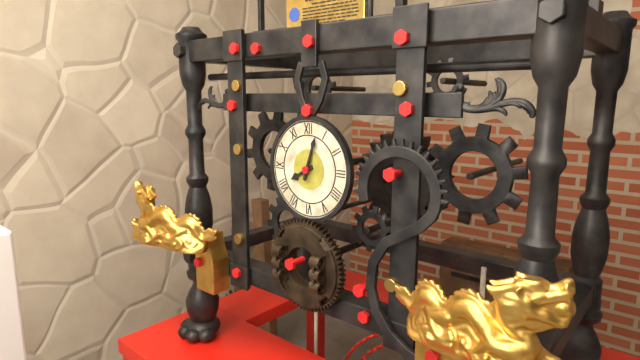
8:03
